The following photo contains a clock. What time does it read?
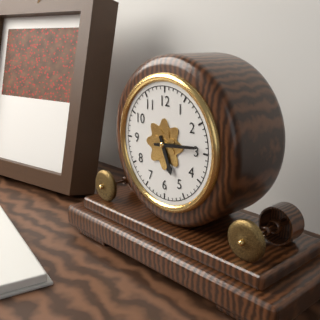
5:14
